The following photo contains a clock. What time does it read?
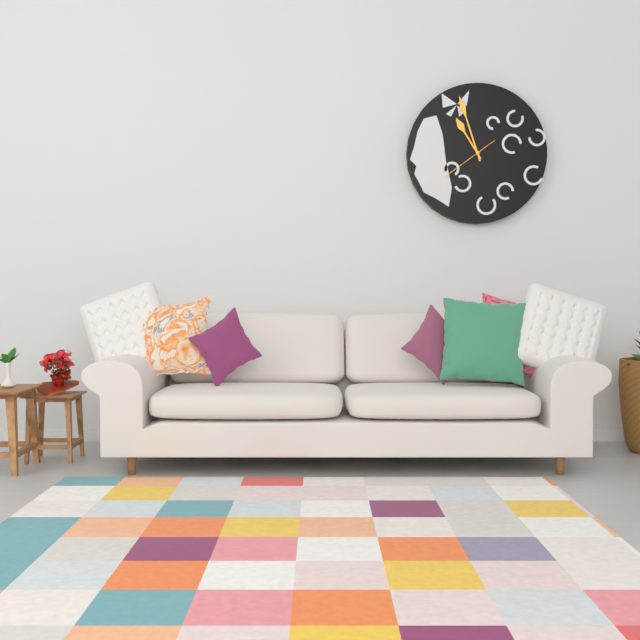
10:57:39
